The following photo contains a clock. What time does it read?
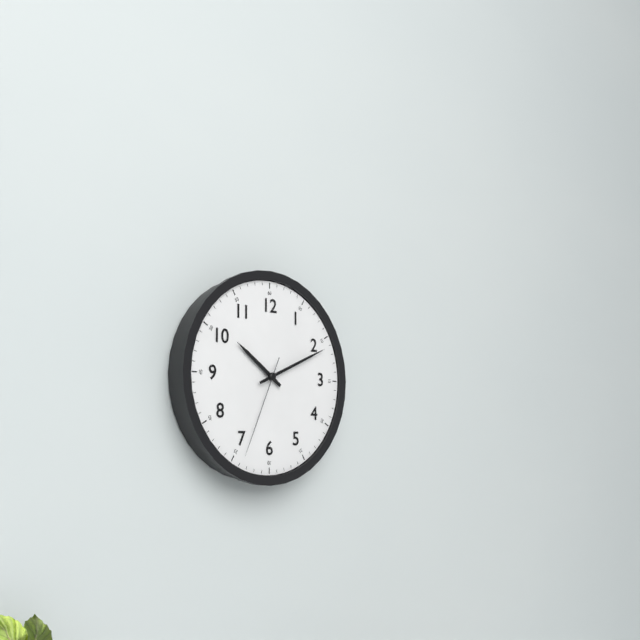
10:11:34
